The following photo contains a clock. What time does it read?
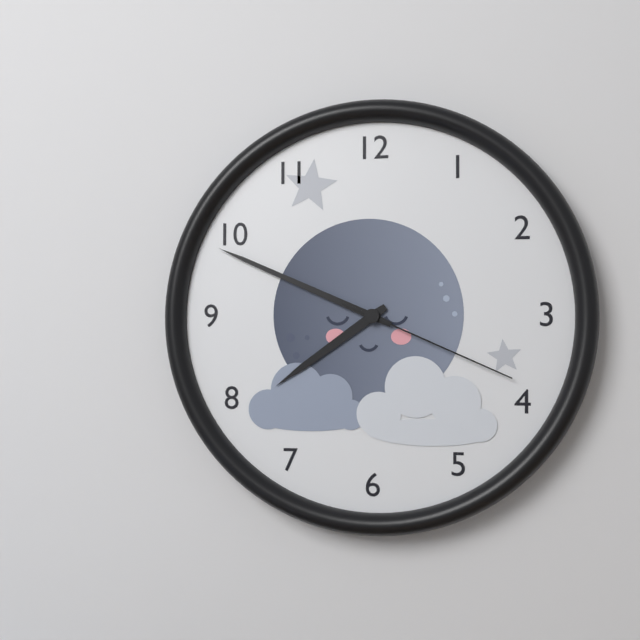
7:49:19
